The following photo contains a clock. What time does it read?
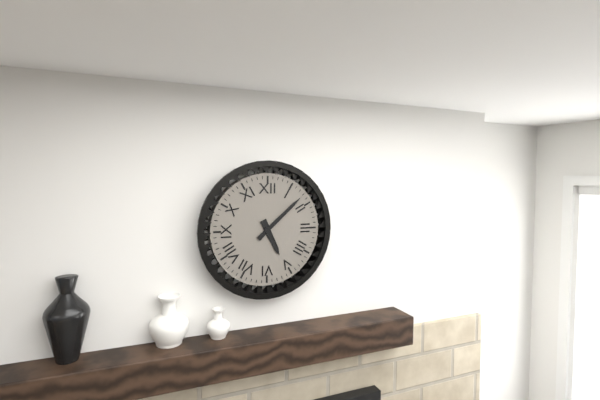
5:08
